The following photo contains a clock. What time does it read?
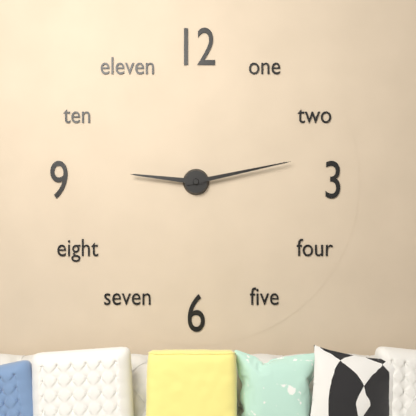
9:13
